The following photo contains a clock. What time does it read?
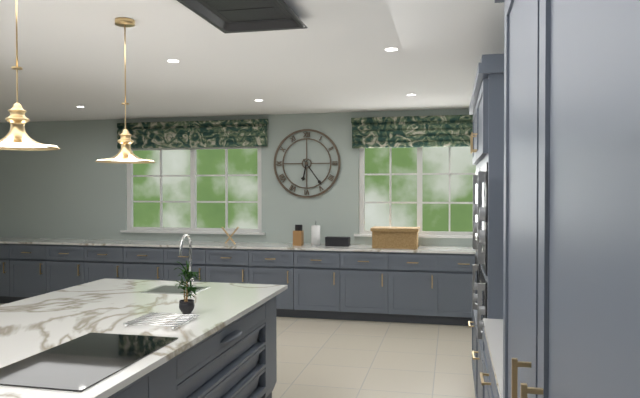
6:24
